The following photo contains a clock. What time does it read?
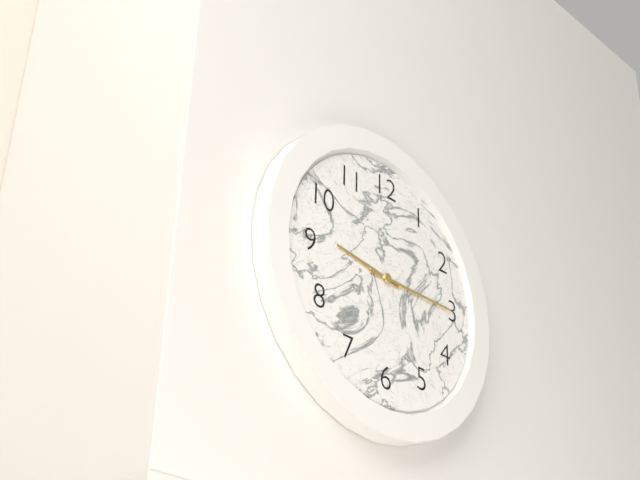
9:15
